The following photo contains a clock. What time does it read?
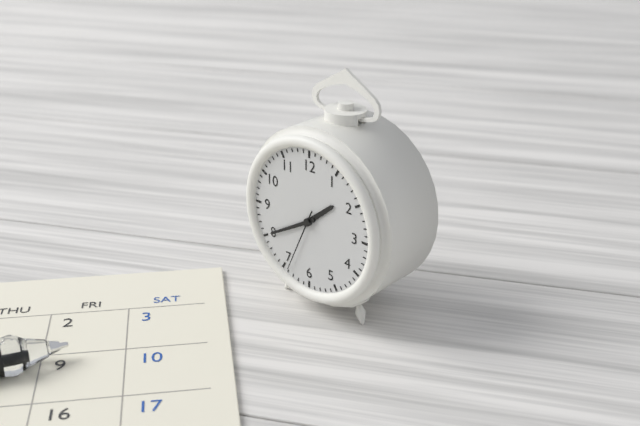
1:40:34
